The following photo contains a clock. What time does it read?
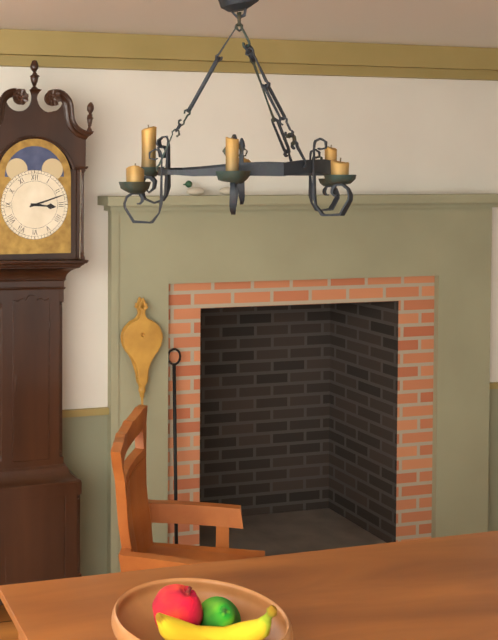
3:12
